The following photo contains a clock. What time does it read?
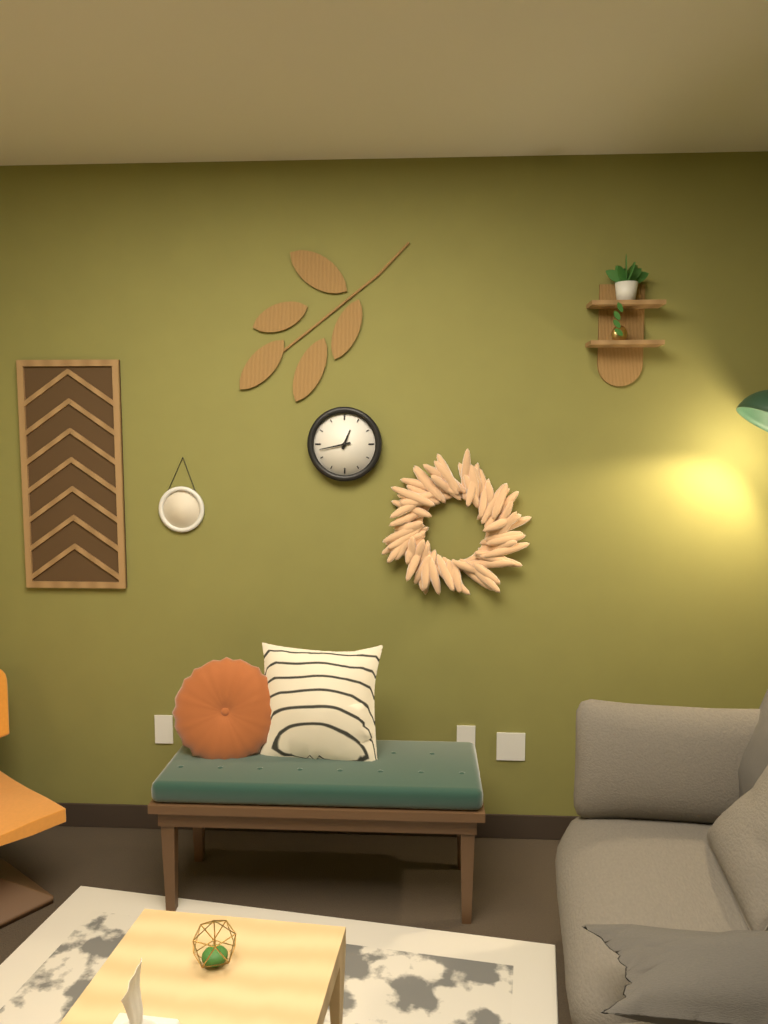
12:43
